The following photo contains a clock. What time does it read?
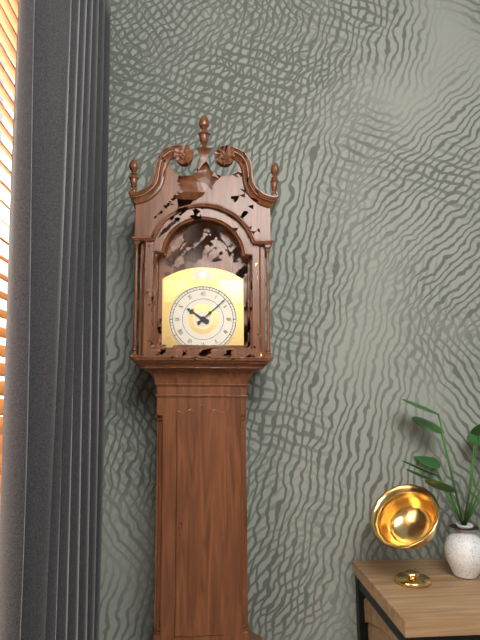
10:08
